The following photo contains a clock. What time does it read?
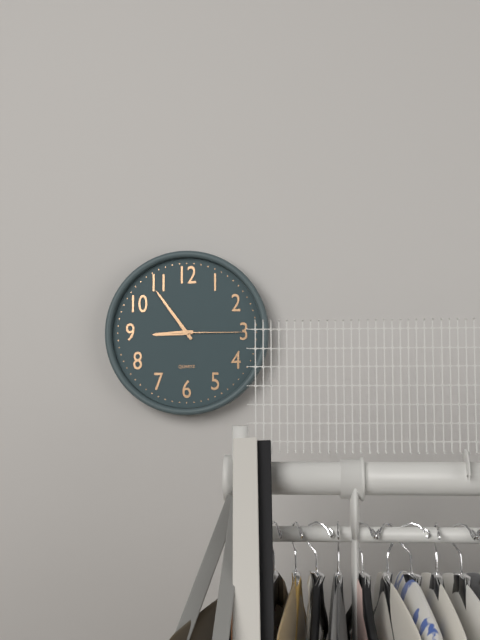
8:54:15
